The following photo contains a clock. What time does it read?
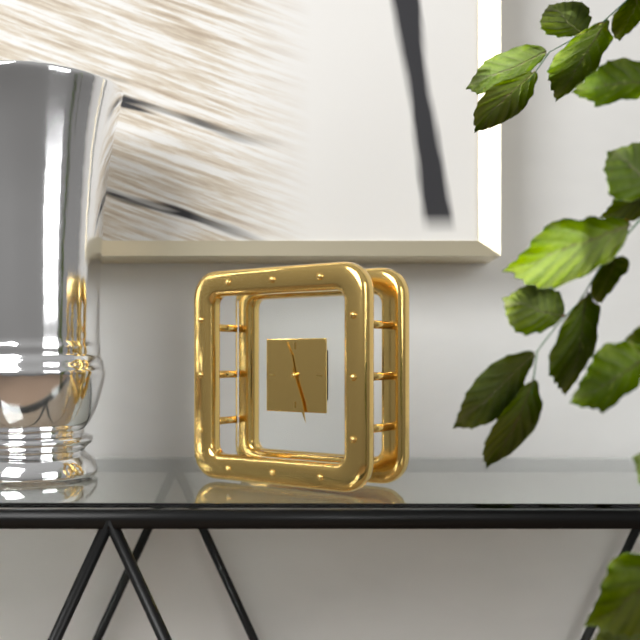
11:27
